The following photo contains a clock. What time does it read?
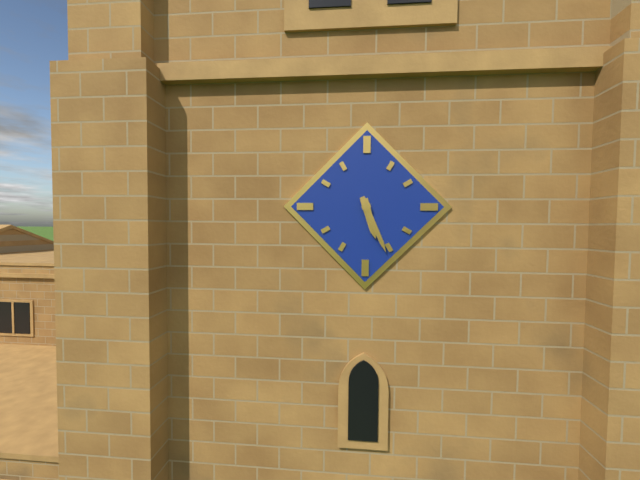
5:26
